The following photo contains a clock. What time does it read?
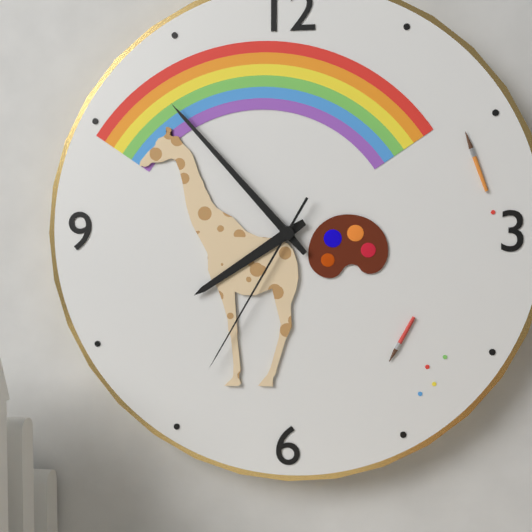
7:53:35
